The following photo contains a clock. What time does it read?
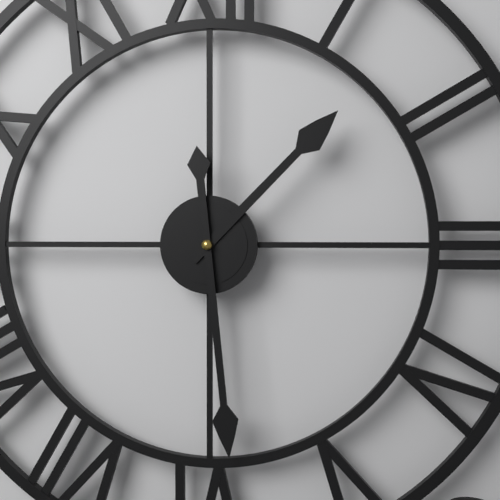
1:29
